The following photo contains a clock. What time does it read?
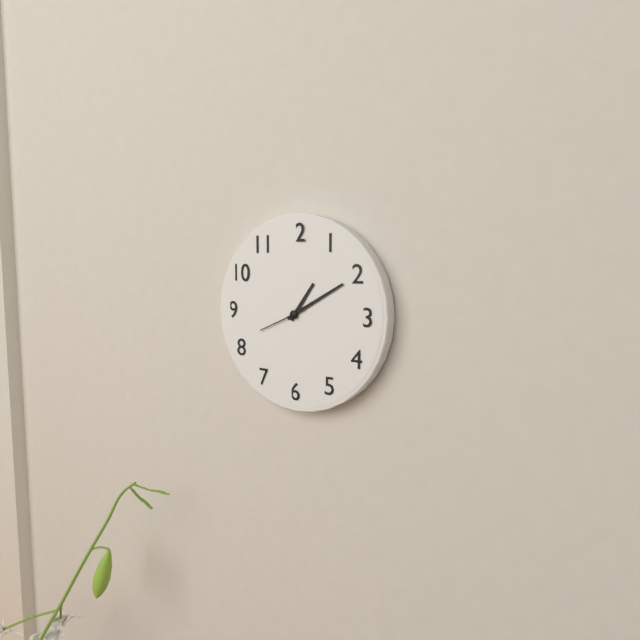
1:10
